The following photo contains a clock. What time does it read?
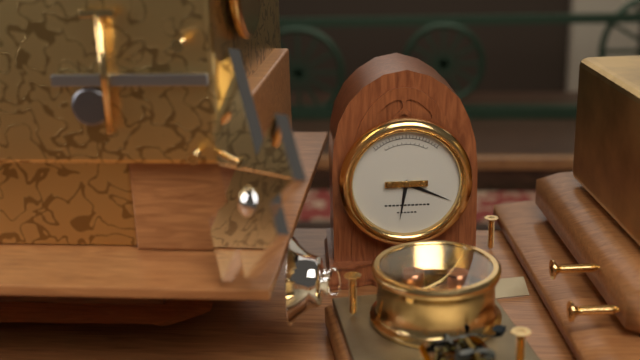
6:19
